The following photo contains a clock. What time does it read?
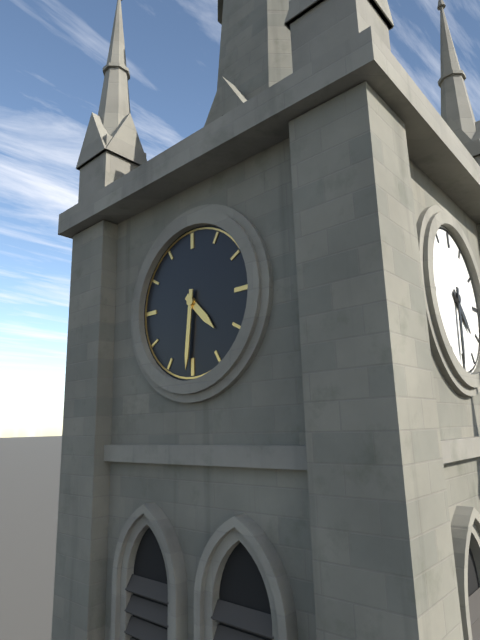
4:31
